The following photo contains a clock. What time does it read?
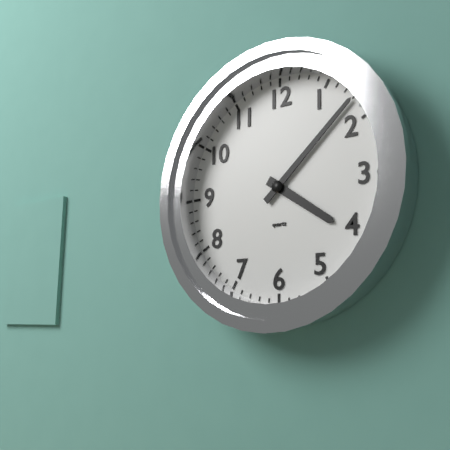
4:08
